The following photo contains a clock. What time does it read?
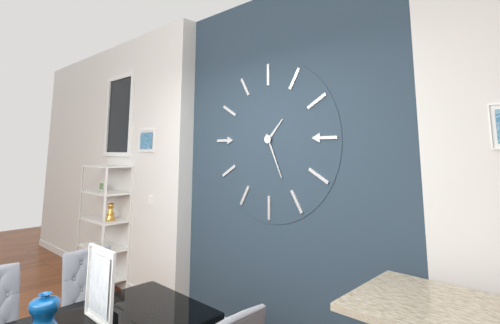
1:26
